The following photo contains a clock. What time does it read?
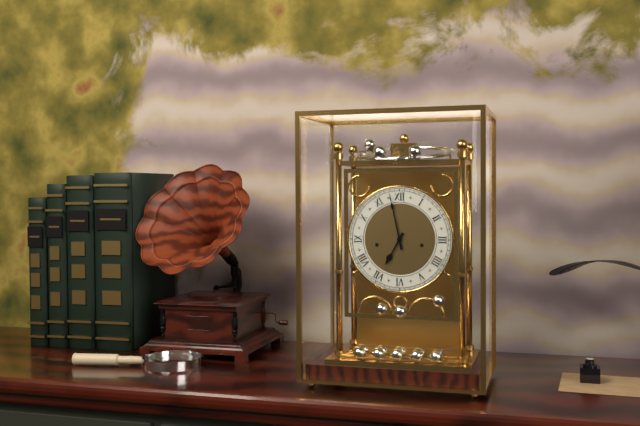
6:58
